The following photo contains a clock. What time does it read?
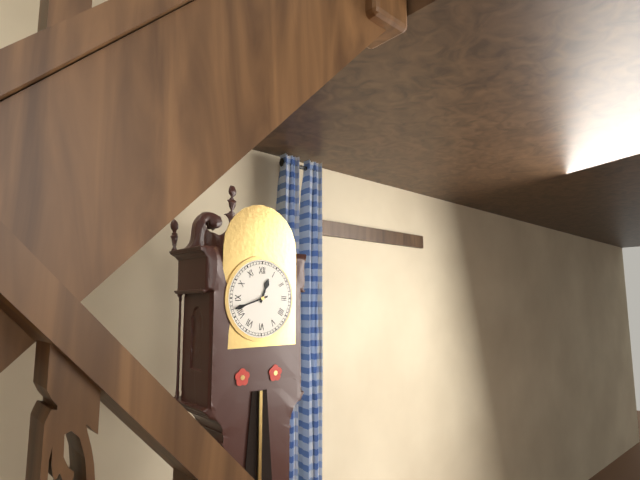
12:42
